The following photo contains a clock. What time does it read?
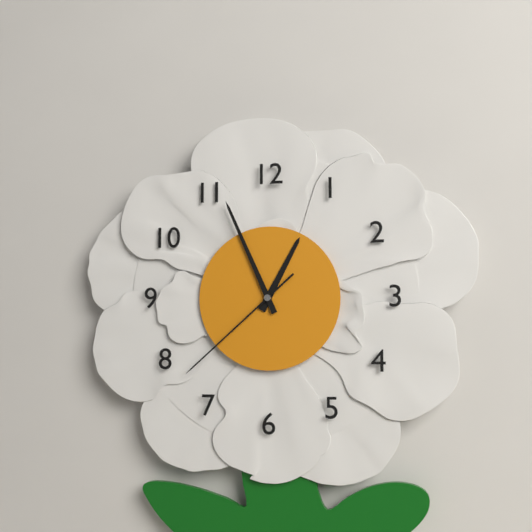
12:56:38
